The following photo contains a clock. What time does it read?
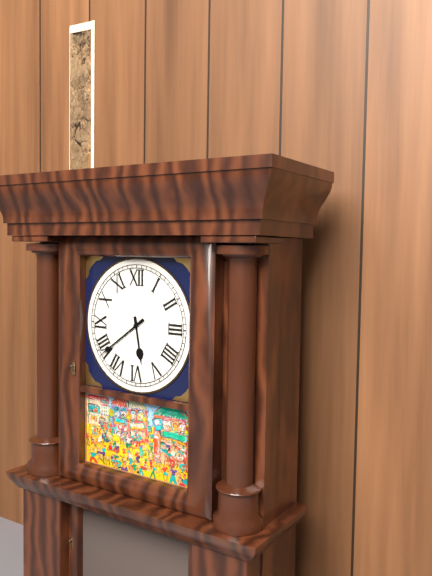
5:39
